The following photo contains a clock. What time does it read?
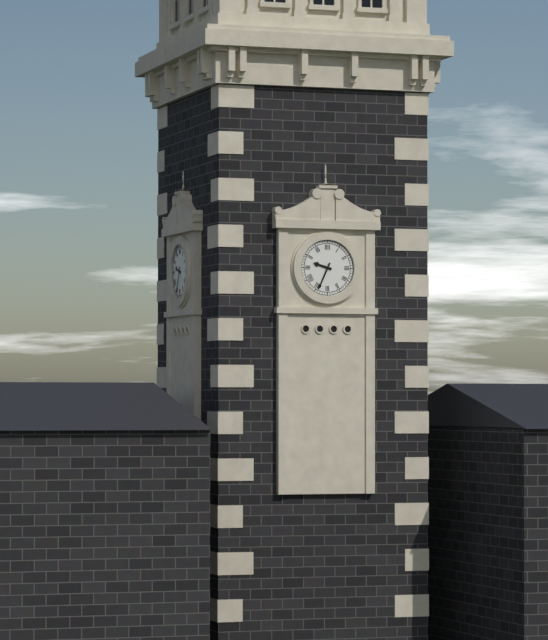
9:34
